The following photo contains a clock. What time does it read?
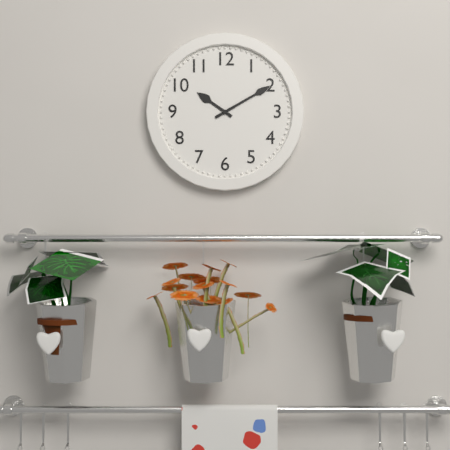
10:10
